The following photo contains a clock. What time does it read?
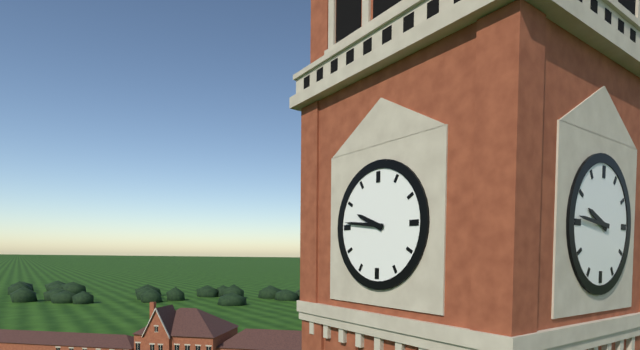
9:46
